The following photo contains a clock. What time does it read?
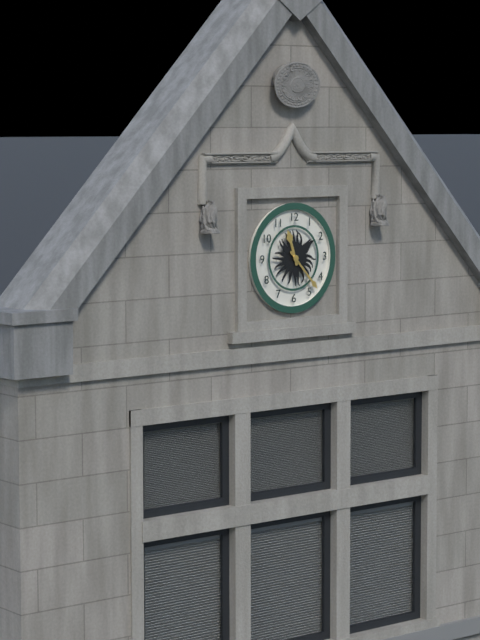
11:23
